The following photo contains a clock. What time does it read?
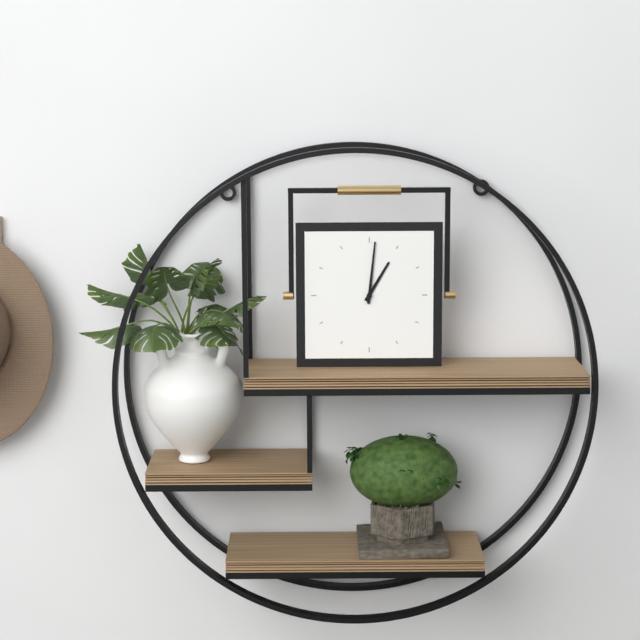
1:01
